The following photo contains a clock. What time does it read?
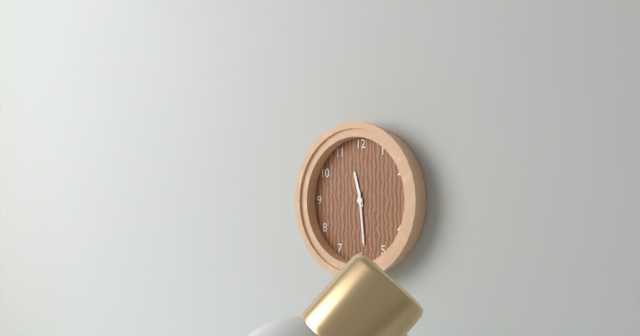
11:29
